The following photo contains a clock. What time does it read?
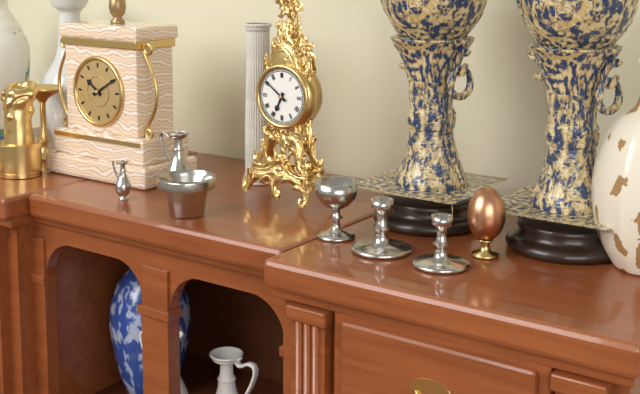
6:51
